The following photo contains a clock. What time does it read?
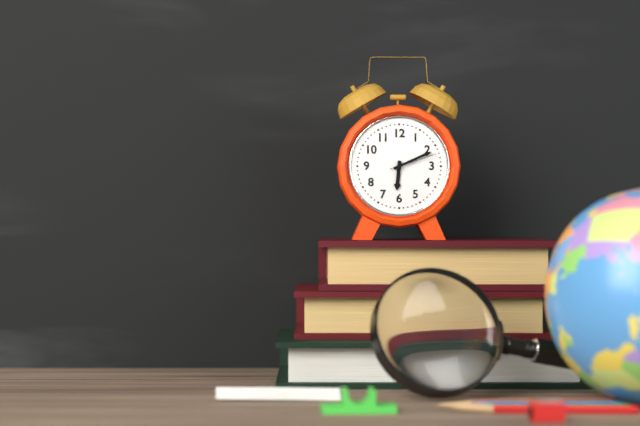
6:11
